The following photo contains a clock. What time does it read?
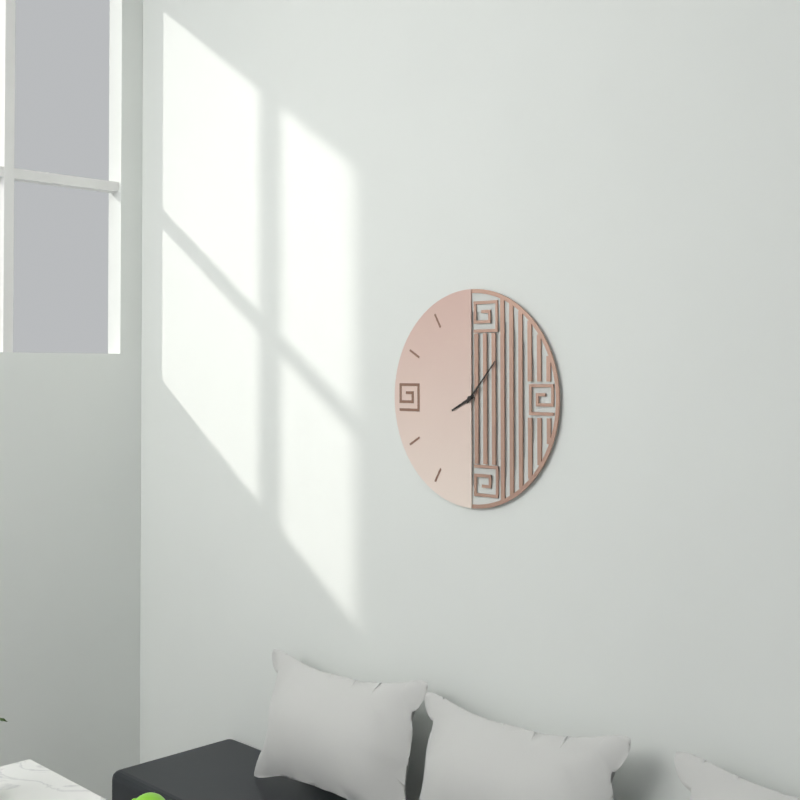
8:07
